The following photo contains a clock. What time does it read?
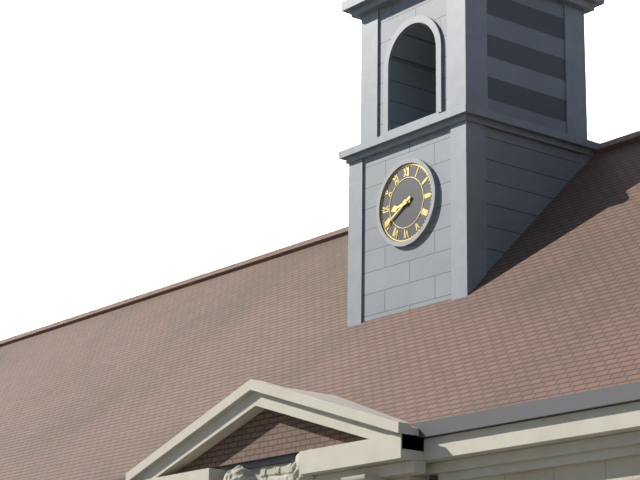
8:40
